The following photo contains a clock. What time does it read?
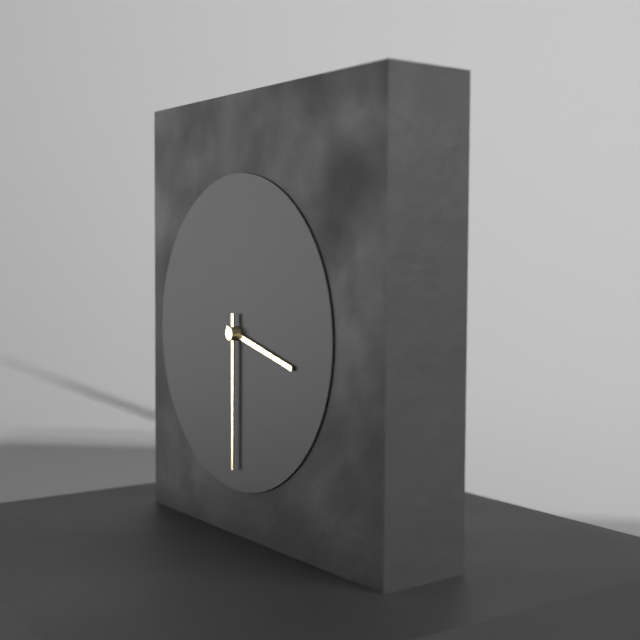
3:30
